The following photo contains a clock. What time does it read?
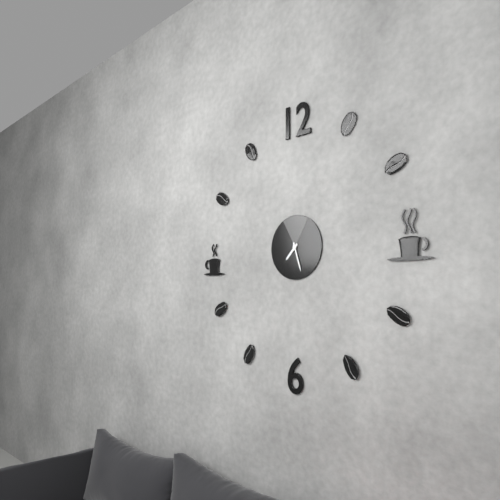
7:27
